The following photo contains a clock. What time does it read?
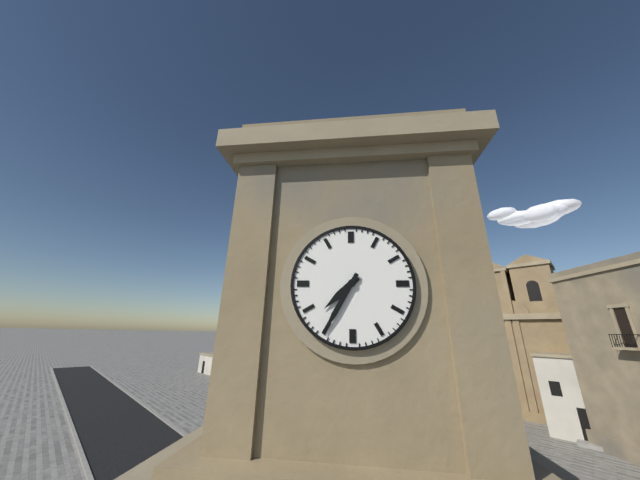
7:35
